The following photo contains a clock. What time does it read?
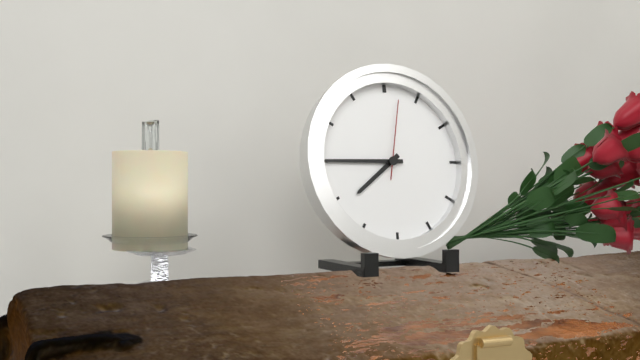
7:45:02
